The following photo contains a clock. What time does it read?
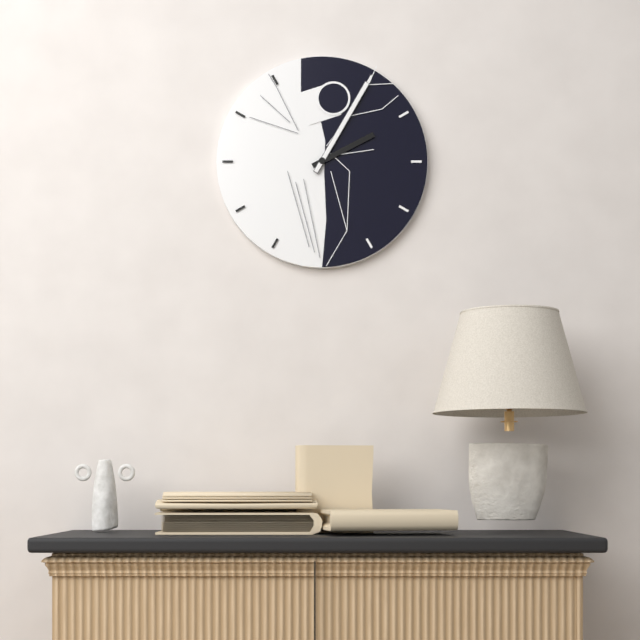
2:05
